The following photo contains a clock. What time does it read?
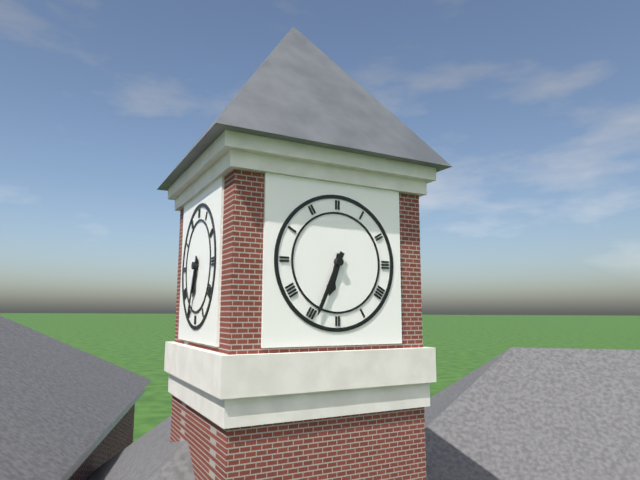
6:34
